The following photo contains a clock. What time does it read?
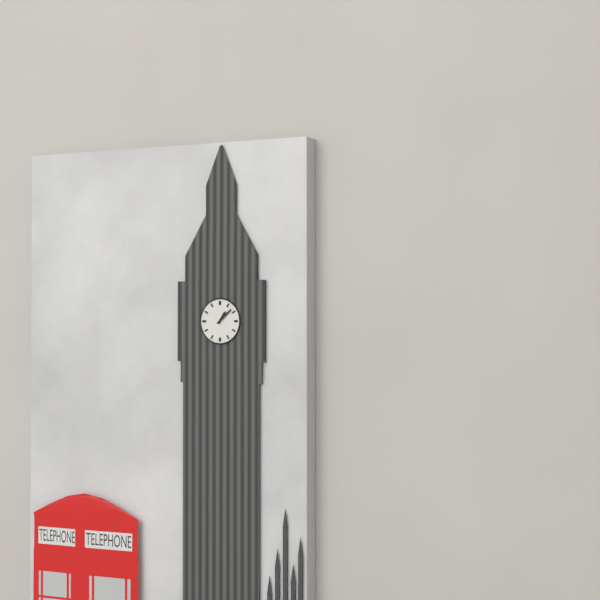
1:08
